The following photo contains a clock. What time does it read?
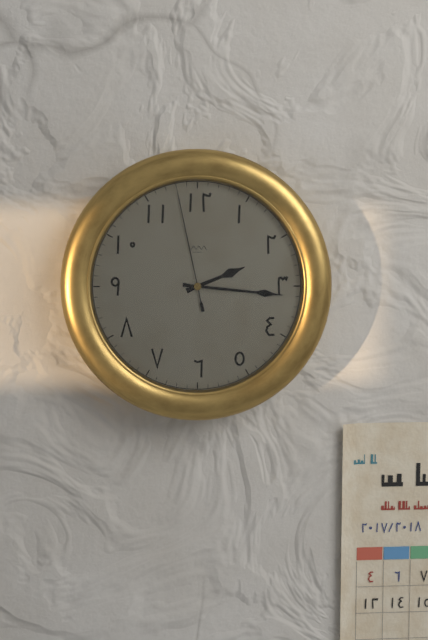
2:16:58
